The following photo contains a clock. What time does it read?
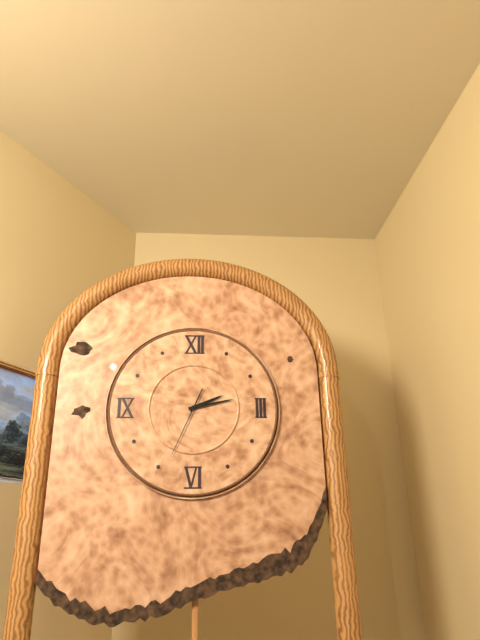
2:13:34
